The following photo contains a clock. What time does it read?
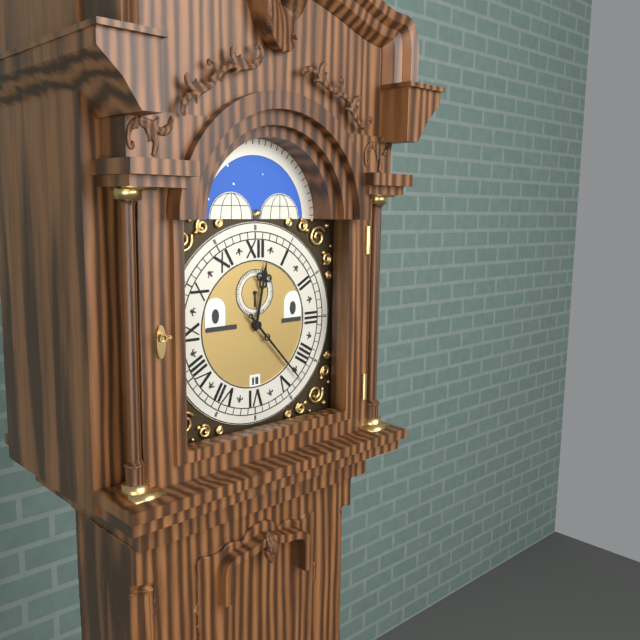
12:23
